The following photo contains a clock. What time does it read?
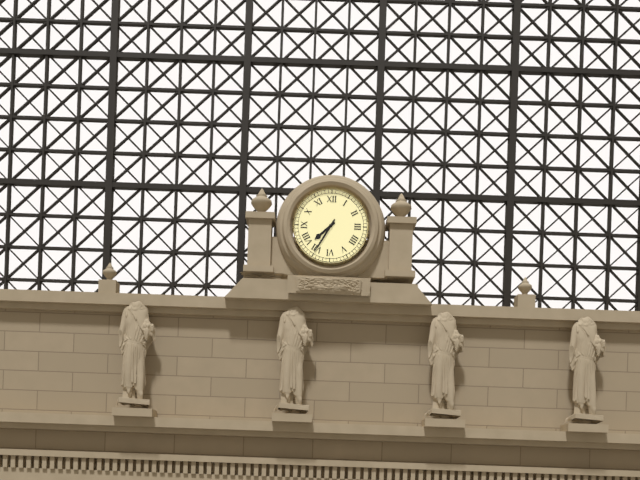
7:35
